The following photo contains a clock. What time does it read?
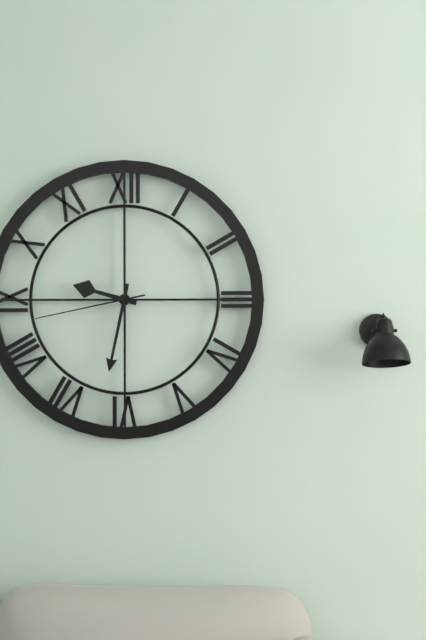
9:32:43
